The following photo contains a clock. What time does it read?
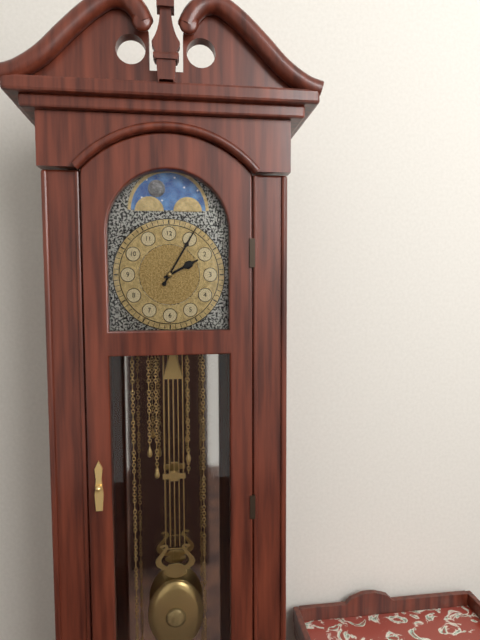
2:05
